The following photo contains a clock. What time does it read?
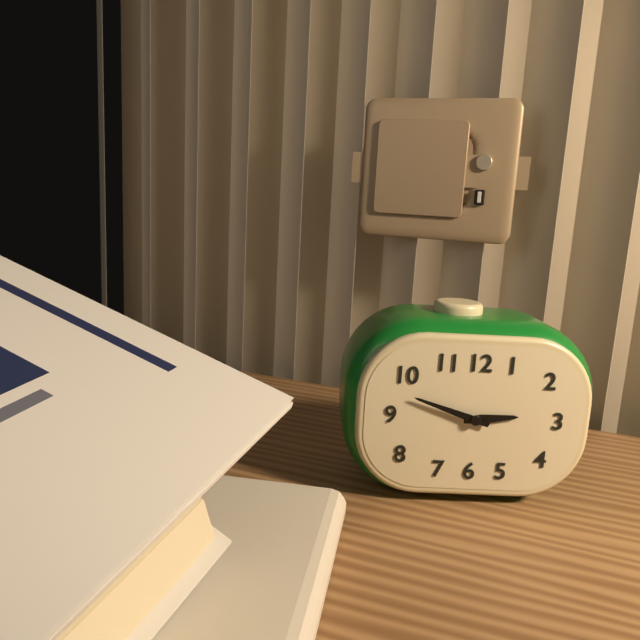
2:48
